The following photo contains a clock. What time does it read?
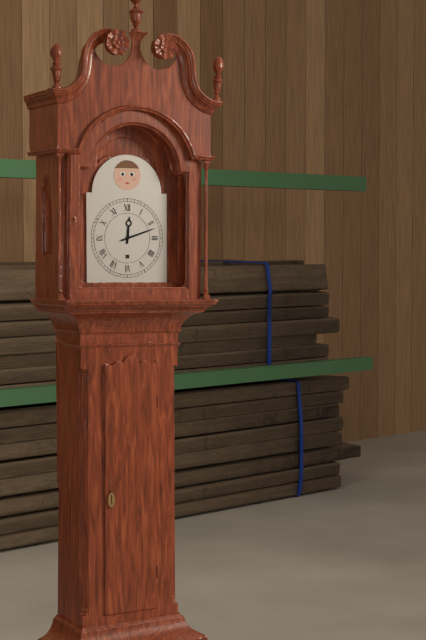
12:12
